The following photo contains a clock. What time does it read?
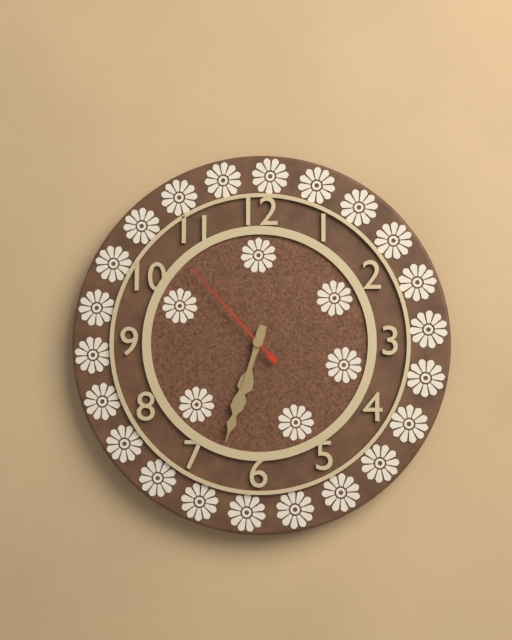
6:33:53
